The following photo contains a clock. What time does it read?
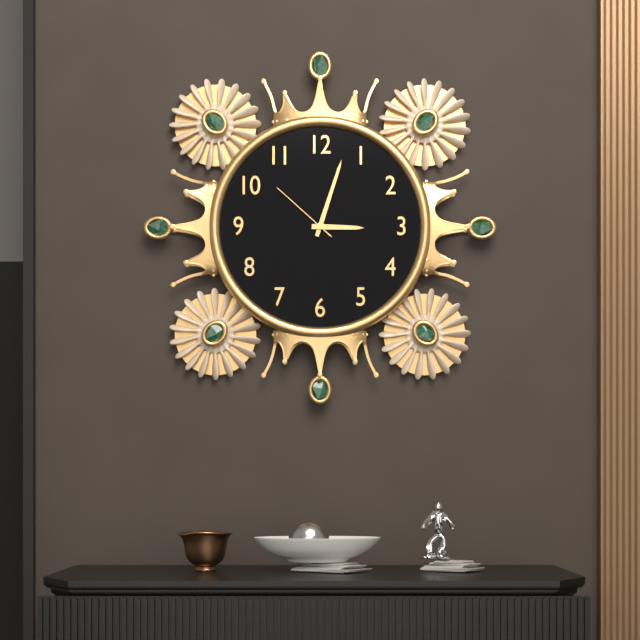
3:03:52
